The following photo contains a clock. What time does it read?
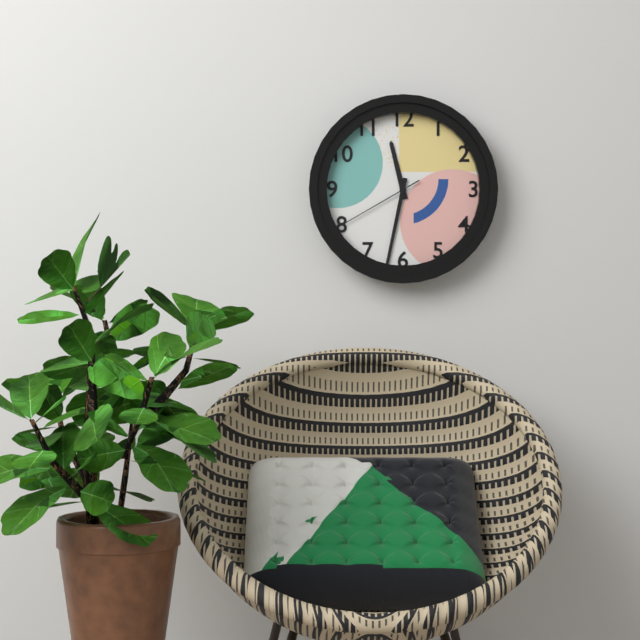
11:32:40
